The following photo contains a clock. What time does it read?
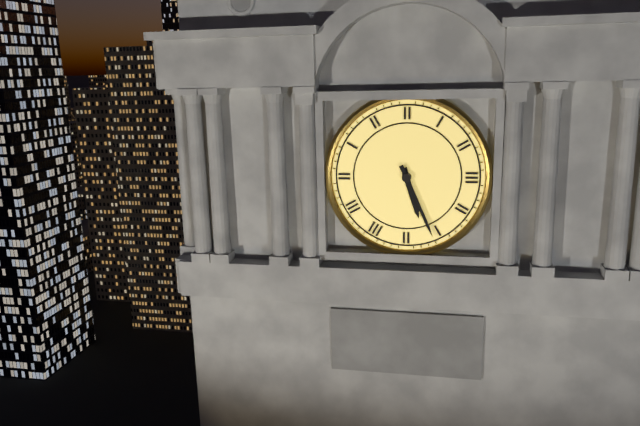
5:26
